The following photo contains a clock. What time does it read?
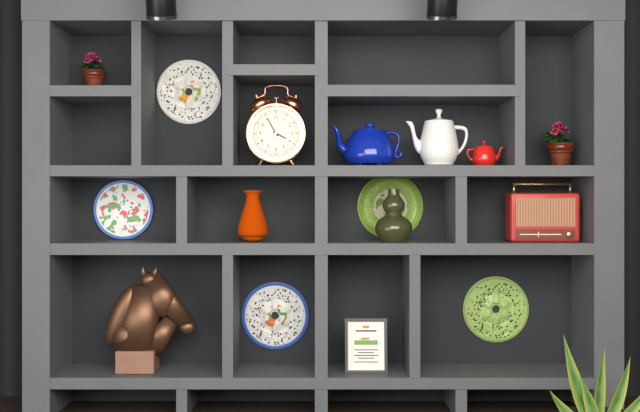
3:55
